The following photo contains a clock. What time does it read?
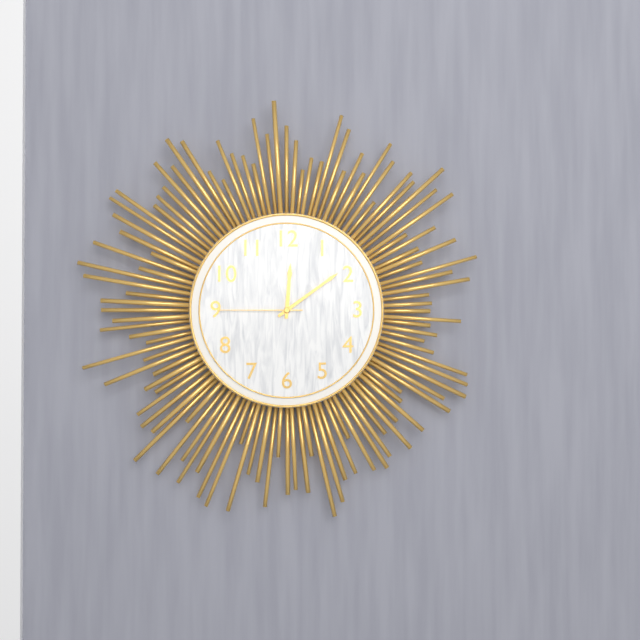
12:09:45
